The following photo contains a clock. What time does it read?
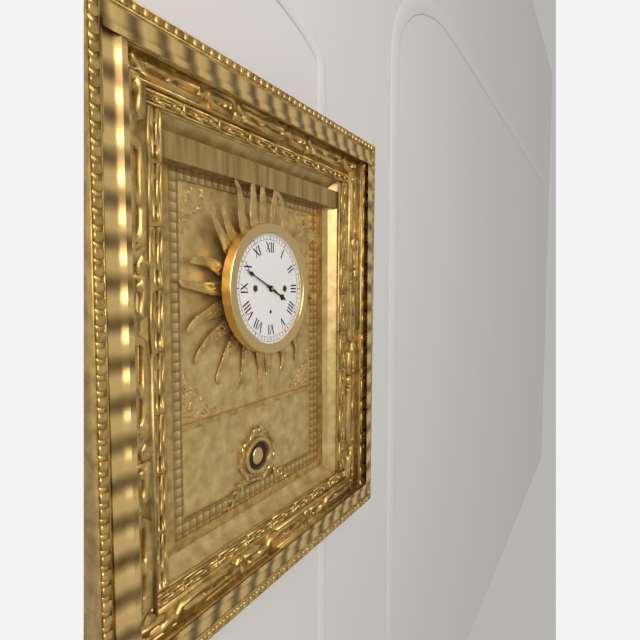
3:49
